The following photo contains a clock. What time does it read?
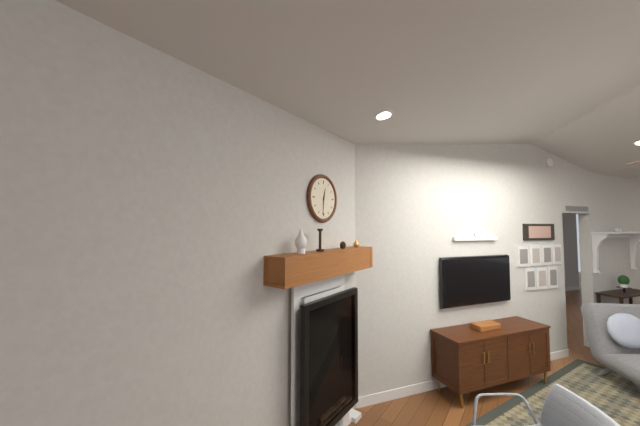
12:31
